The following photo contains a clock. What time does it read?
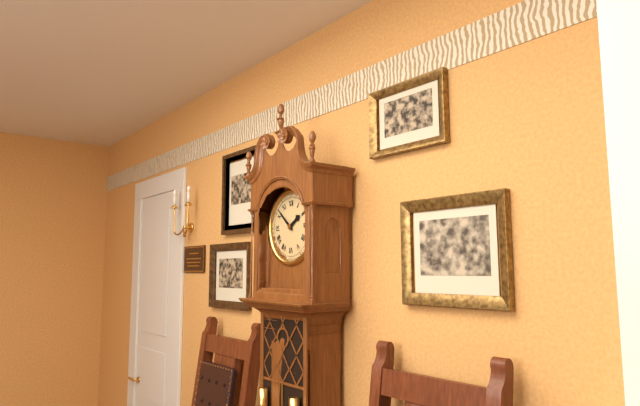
1:52
